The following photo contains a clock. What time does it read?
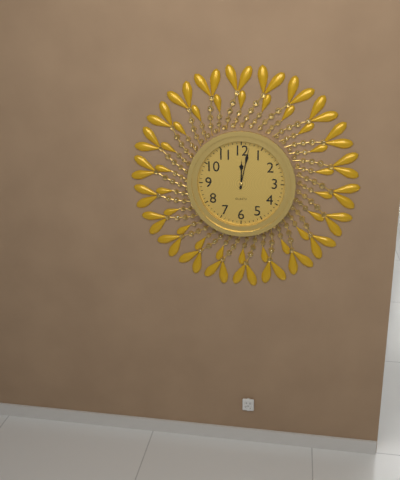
12:02
